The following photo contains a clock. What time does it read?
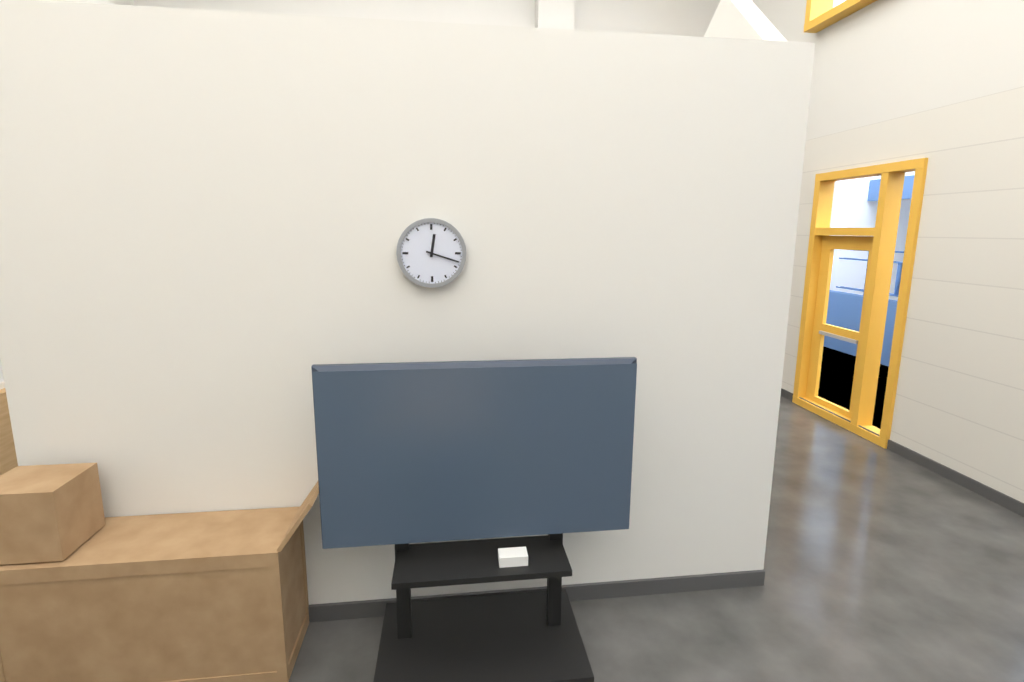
12:18
